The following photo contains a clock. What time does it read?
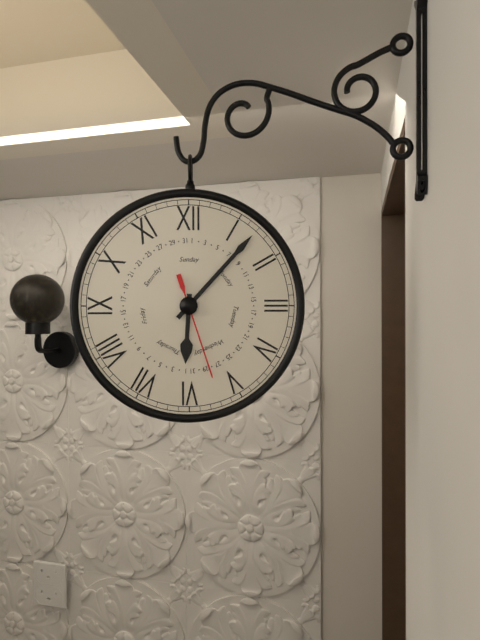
6:07:27
